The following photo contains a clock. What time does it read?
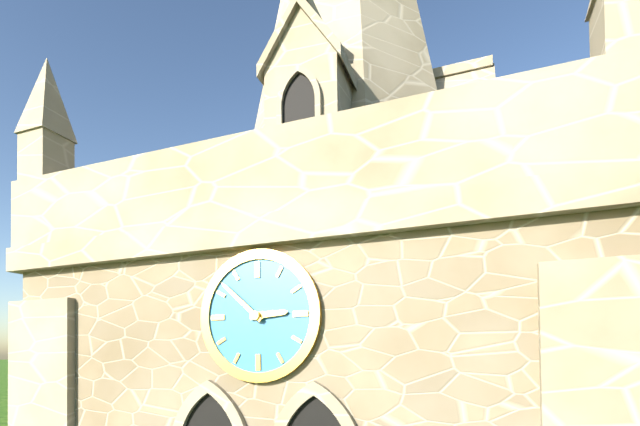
2:52
